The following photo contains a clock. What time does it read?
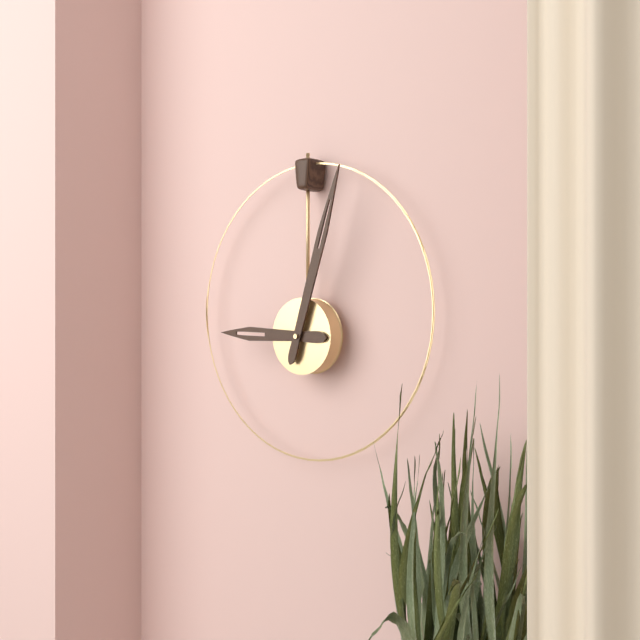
9:03
